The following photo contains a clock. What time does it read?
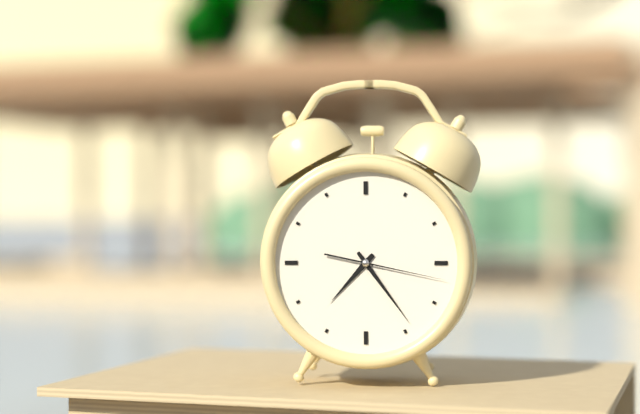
7:24:17
